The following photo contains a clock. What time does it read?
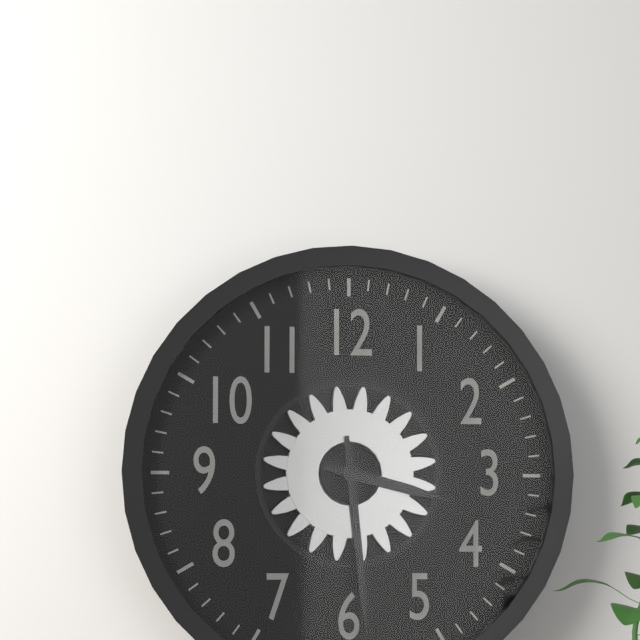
3:29
